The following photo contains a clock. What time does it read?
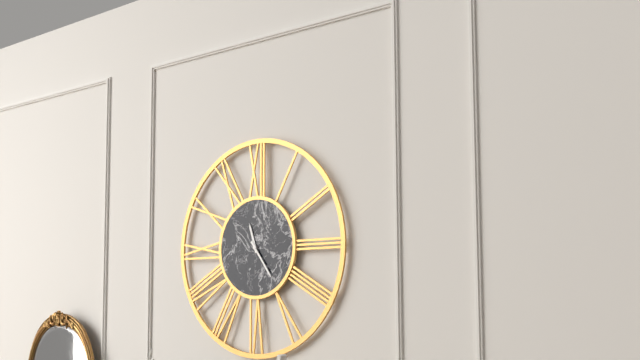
11:24
